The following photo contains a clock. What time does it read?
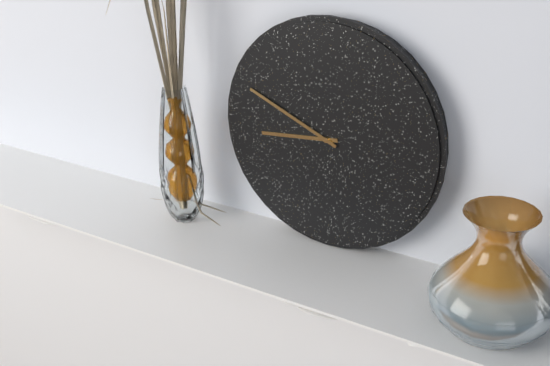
8:49
